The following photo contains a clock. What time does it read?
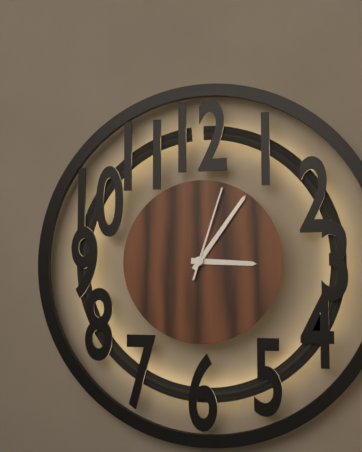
3:06:03
